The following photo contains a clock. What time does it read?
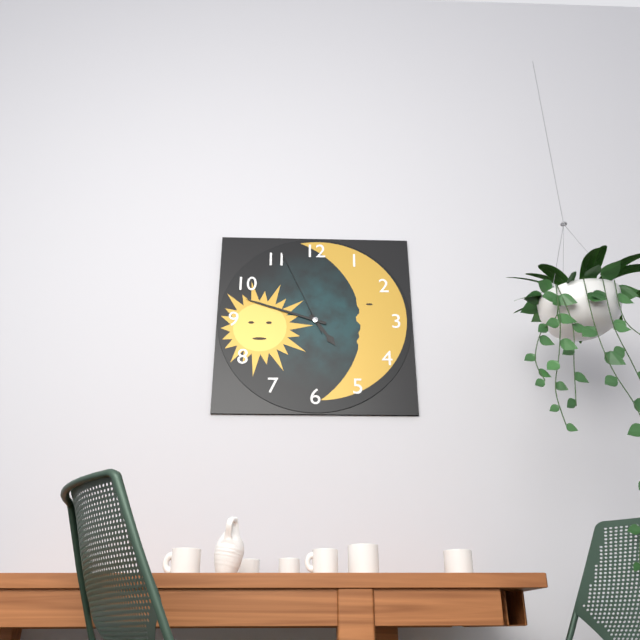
4:48:56
